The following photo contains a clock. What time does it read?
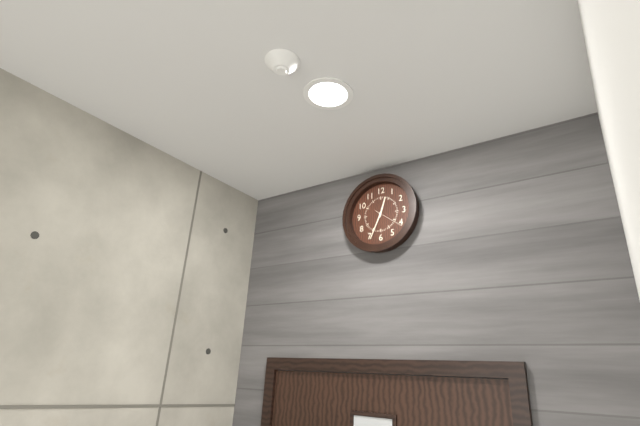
12:34
